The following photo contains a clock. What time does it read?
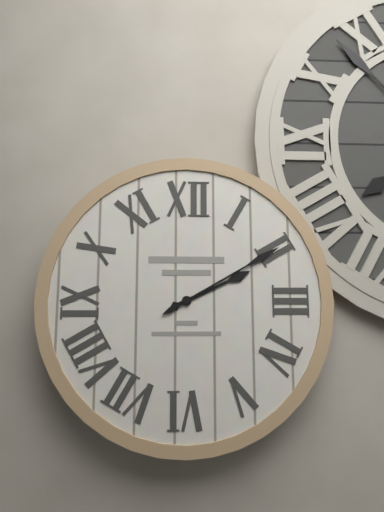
2:10
